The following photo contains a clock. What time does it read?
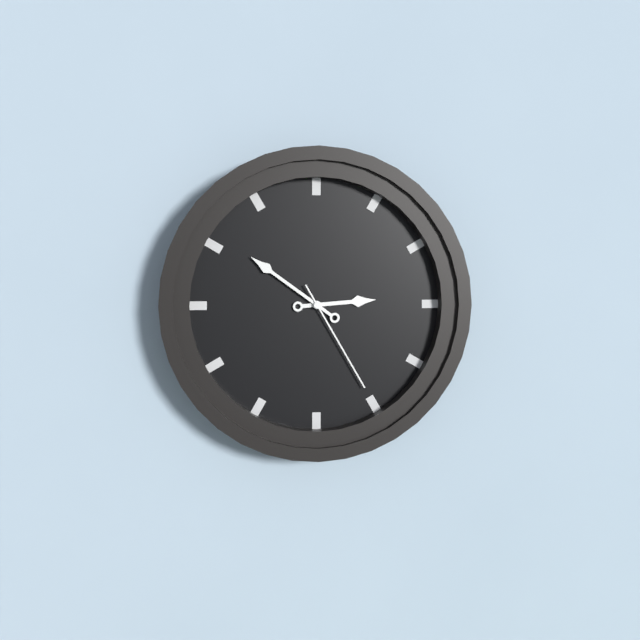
2:51:25
